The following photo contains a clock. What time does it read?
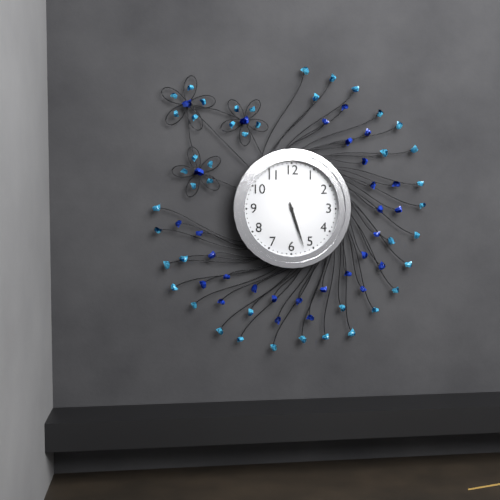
5:27
